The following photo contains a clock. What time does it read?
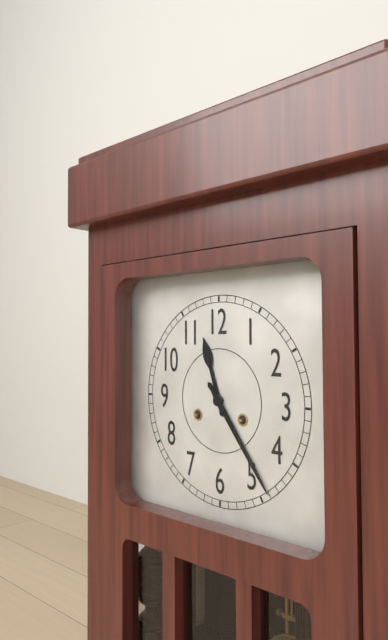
11:24
